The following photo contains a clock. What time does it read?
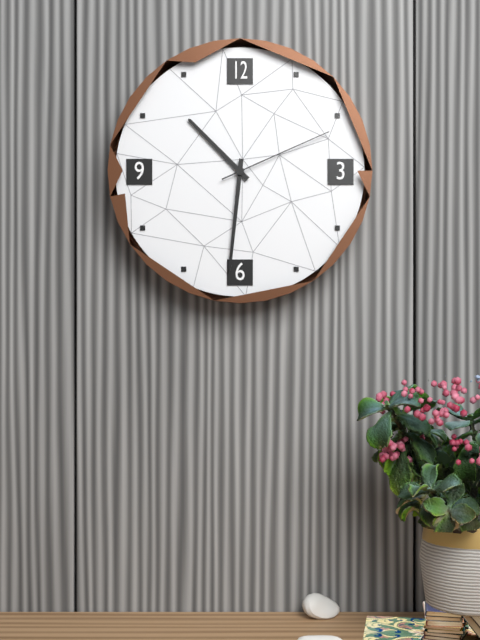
10:31:11
